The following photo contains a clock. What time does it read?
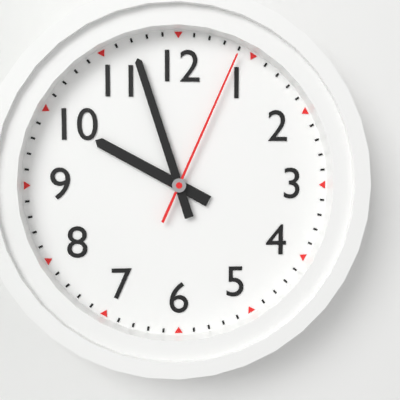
9:57:04
